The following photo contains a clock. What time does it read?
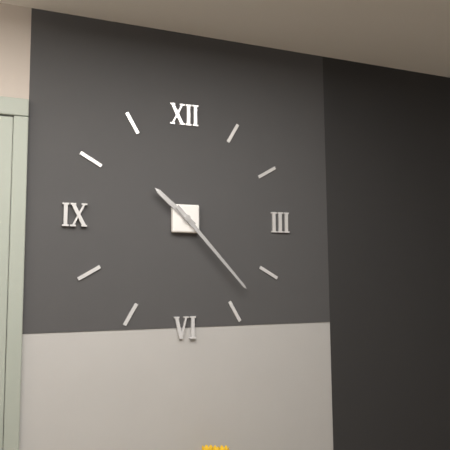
10:23
